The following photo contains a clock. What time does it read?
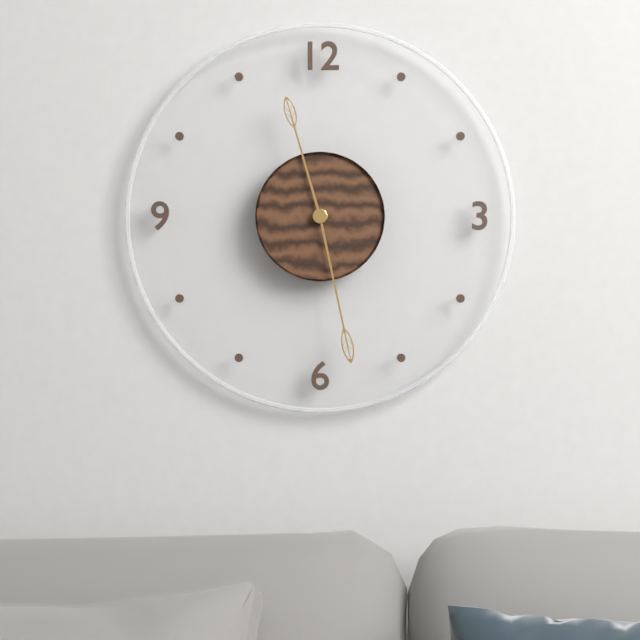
11:28
